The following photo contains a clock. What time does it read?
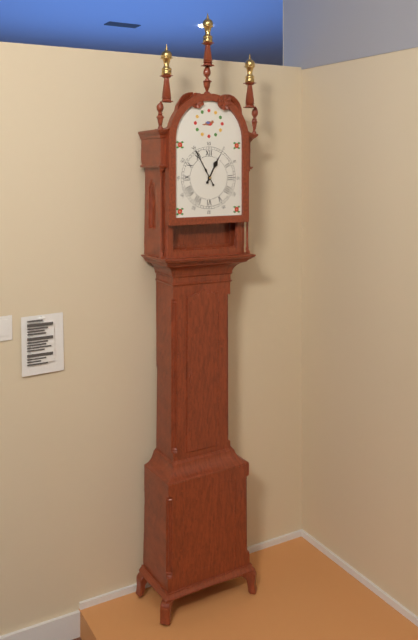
12:55
